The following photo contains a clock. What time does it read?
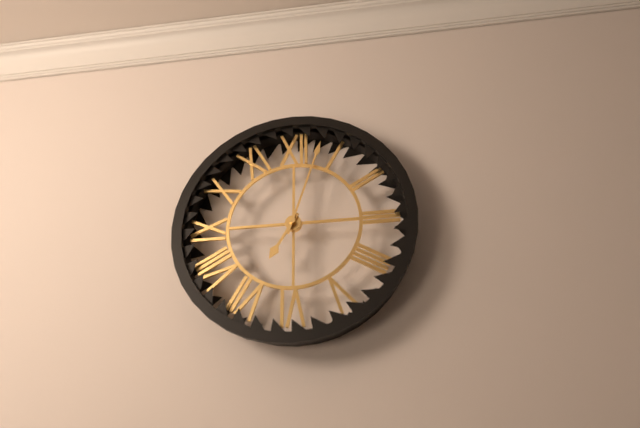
7:03
